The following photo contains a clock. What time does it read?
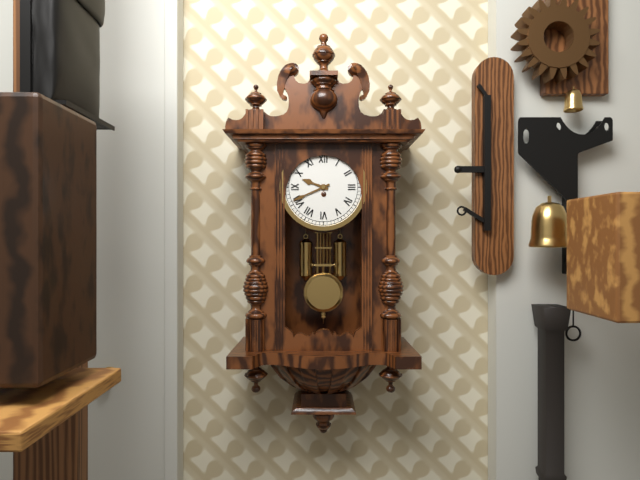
9:41
